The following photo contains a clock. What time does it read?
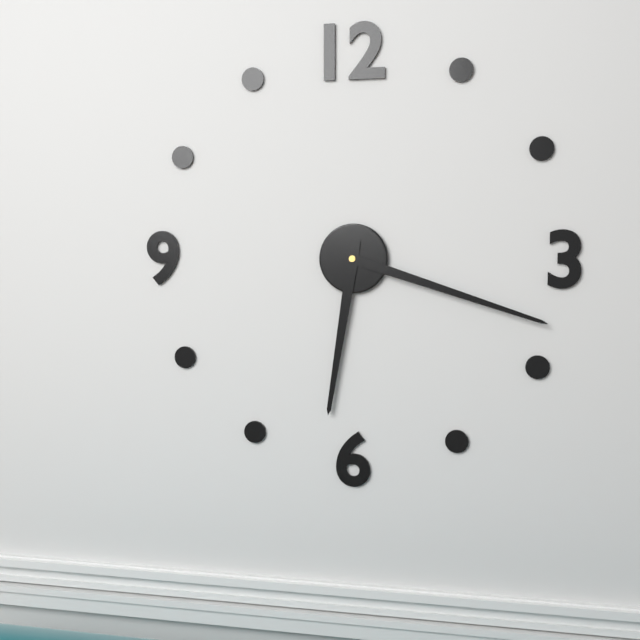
6:18
